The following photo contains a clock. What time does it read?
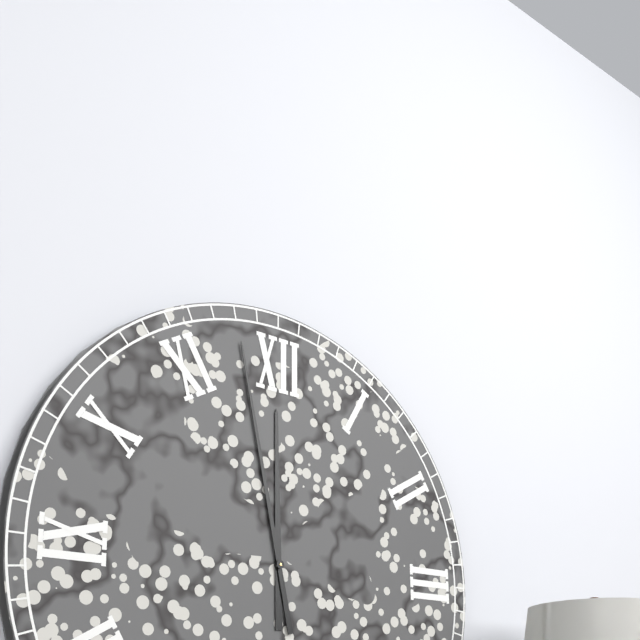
11:58
